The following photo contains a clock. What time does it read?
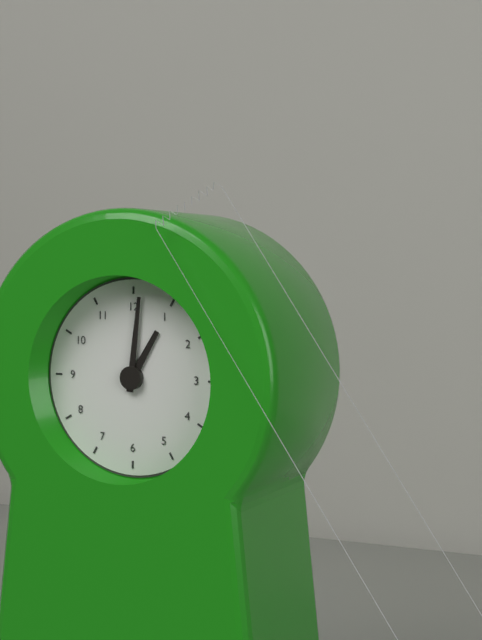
1:01
